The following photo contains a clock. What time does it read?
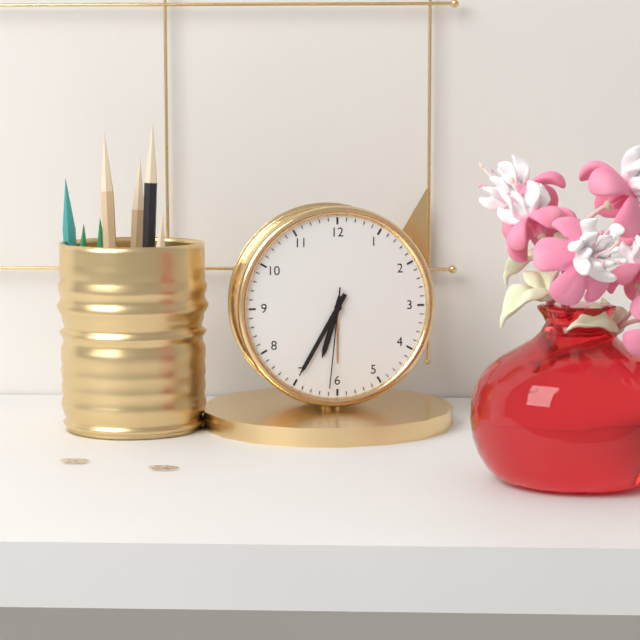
6:35:31
